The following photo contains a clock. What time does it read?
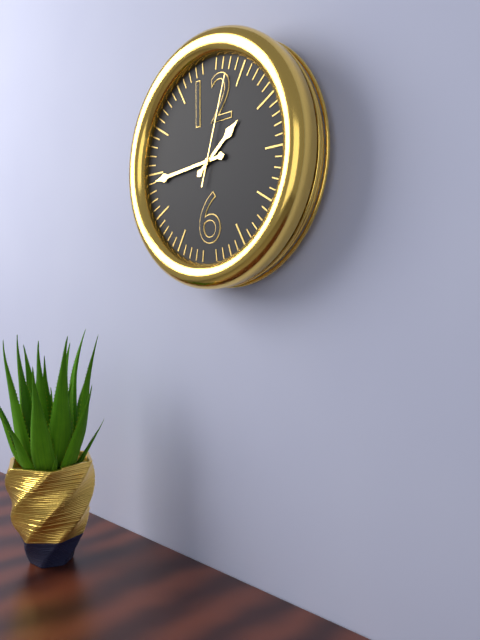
1:44:03
